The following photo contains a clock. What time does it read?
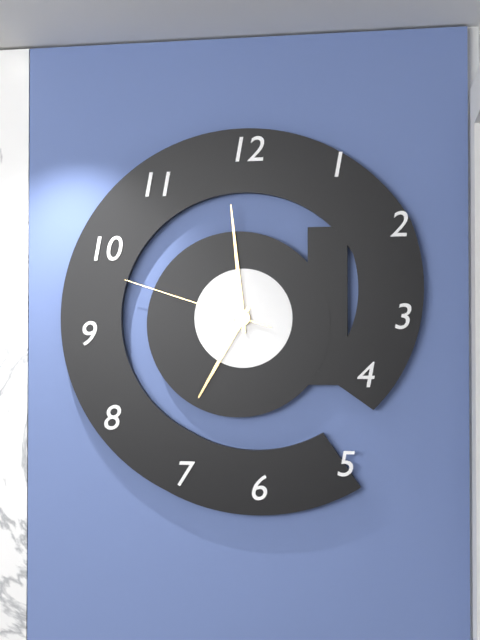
6:59:48
